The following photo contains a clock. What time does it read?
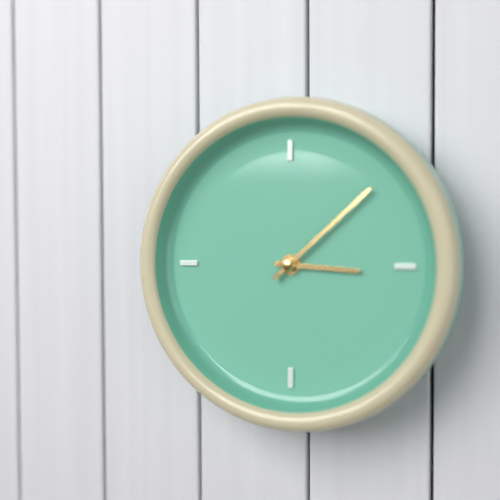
3:08
